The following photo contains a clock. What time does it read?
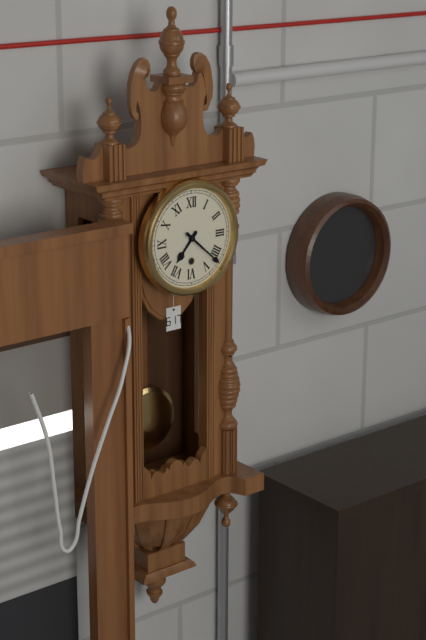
7:22
